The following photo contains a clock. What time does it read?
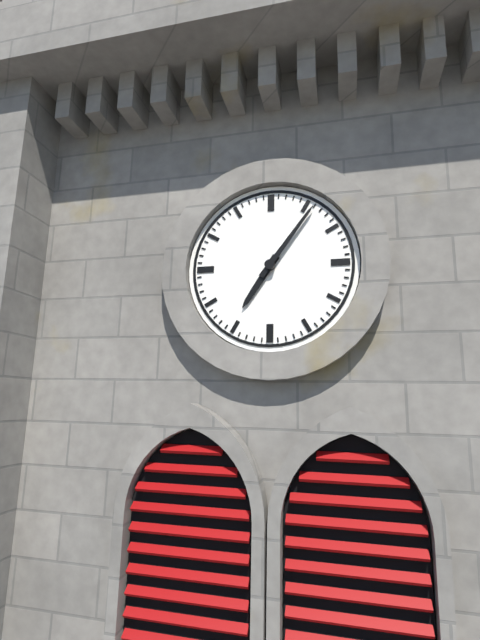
7:06
